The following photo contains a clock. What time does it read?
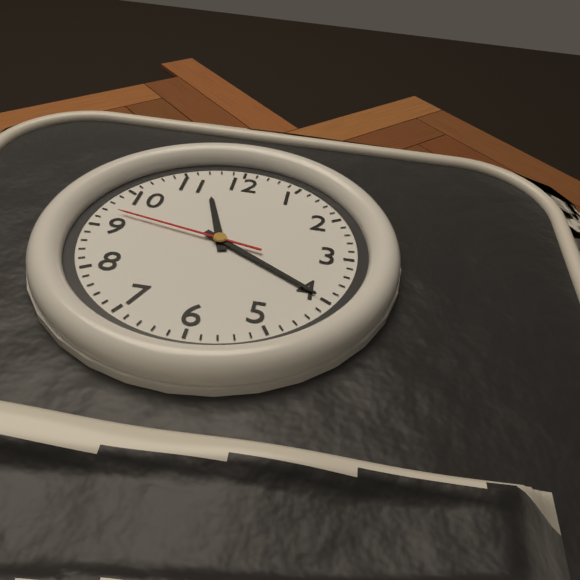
11:20:47
